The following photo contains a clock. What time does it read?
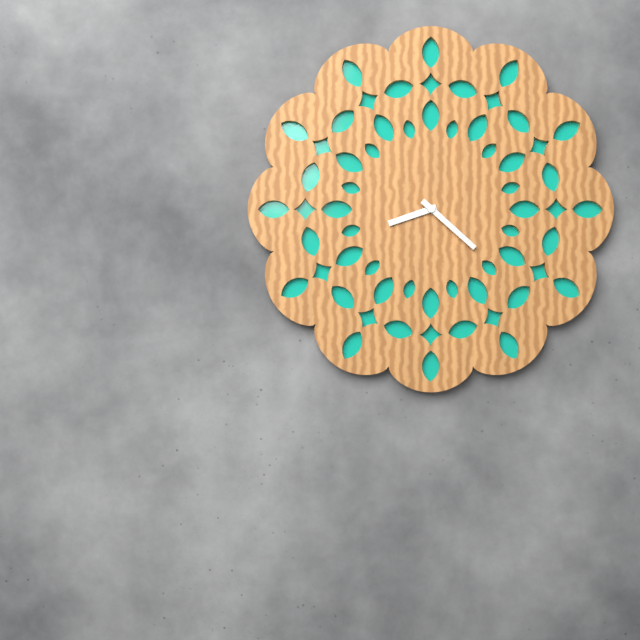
8:22
